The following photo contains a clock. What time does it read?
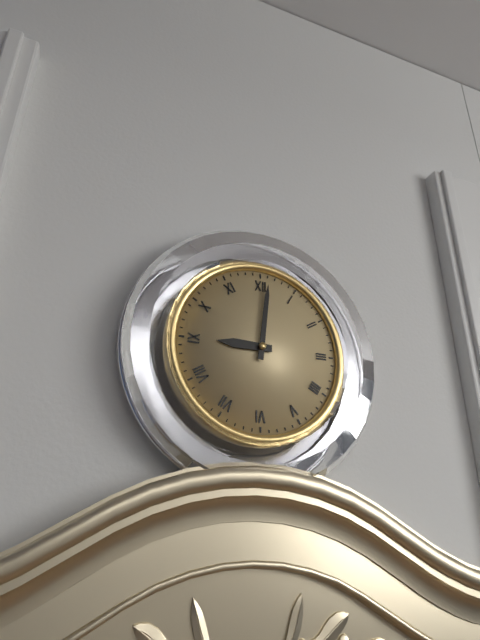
9:01
